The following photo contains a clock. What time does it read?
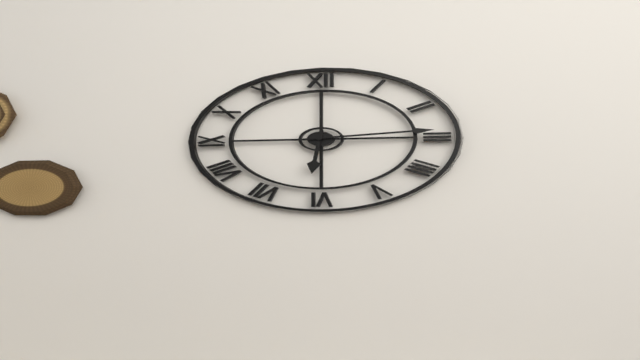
6:14
